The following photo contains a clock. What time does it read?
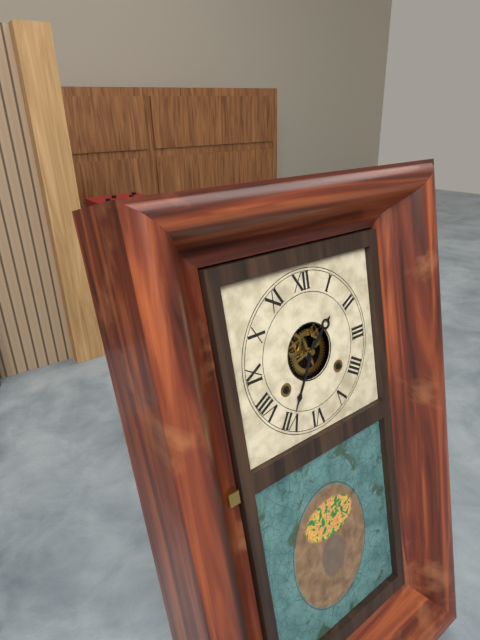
1:35
